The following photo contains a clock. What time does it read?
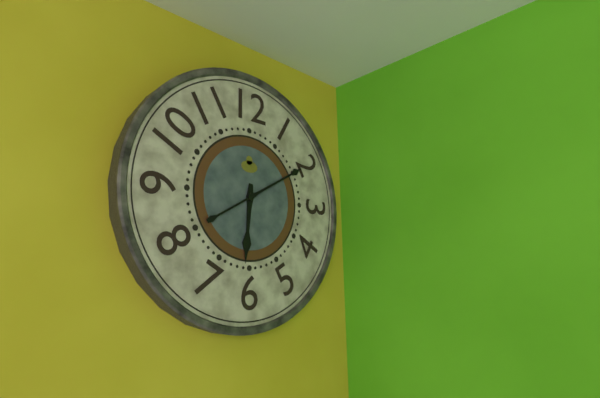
6:10
